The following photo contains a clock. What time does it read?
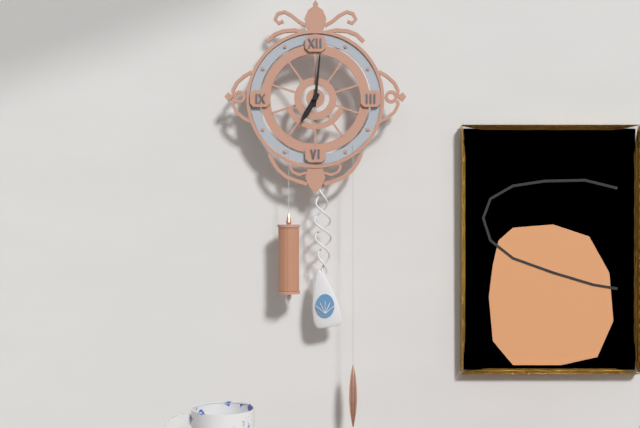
7:01
